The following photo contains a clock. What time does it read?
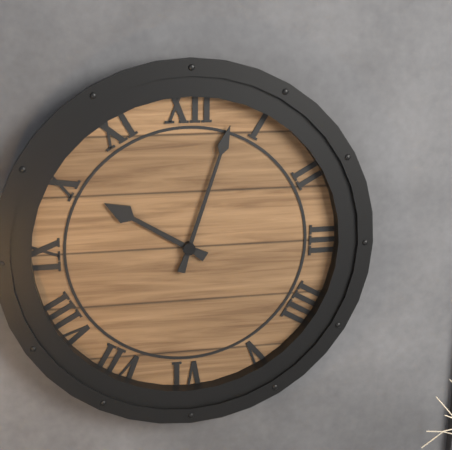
10:03
